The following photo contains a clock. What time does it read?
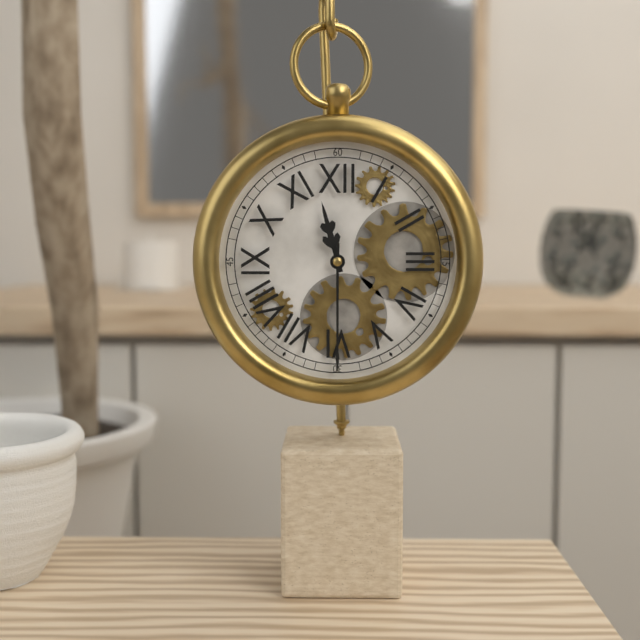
11:30
